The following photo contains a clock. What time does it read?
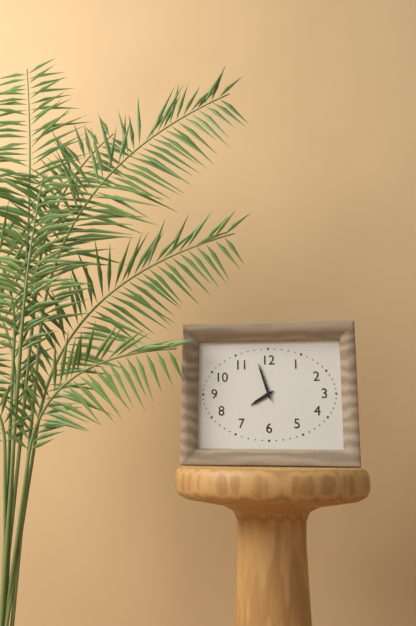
7:57
